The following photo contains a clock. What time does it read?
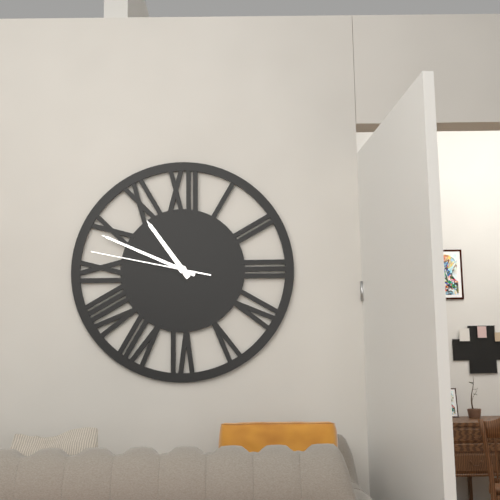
10:49:47
